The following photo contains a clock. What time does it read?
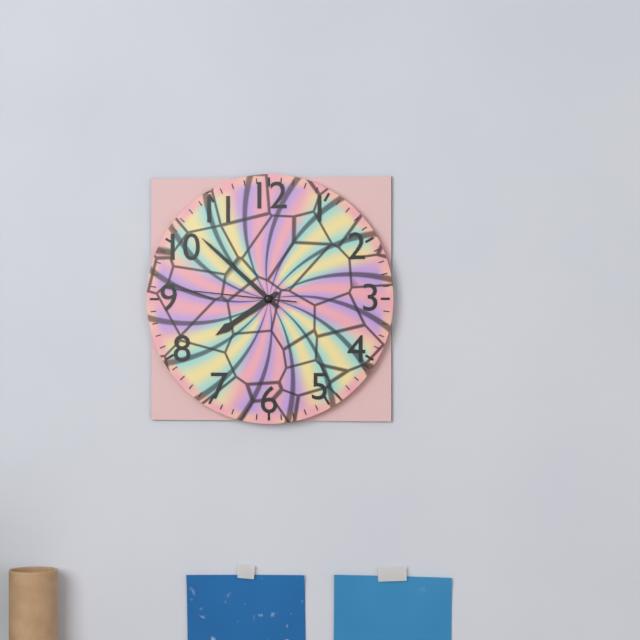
7:52:46
